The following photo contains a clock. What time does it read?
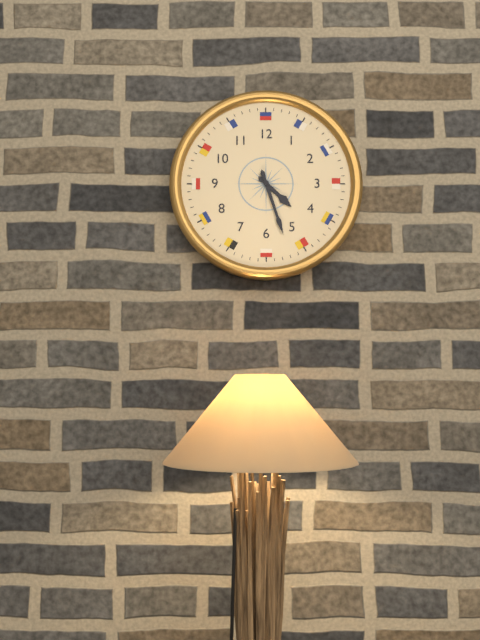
4:27
